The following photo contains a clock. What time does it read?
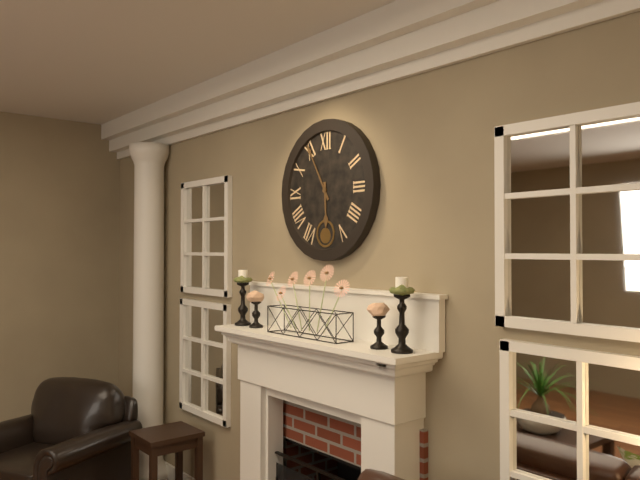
5:55
